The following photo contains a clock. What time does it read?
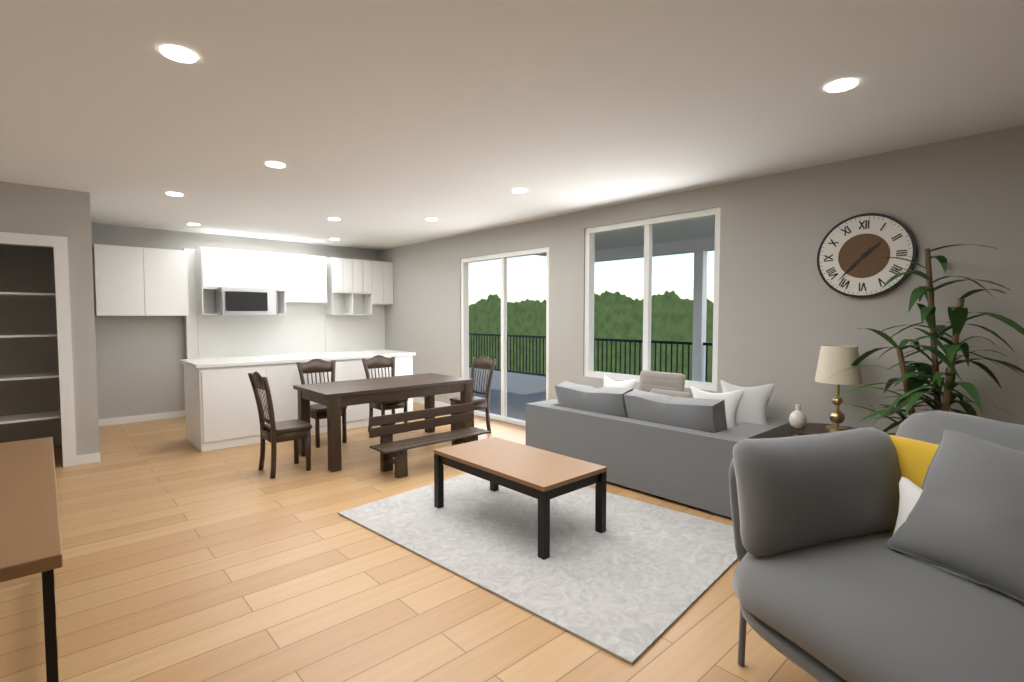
1:37
